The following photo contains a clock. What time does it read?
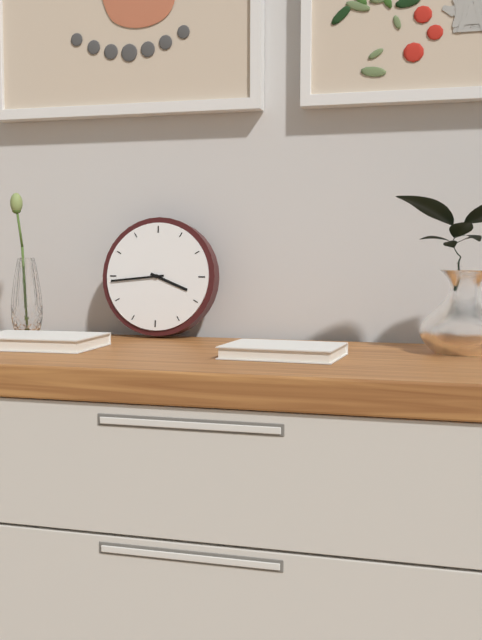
3:44
